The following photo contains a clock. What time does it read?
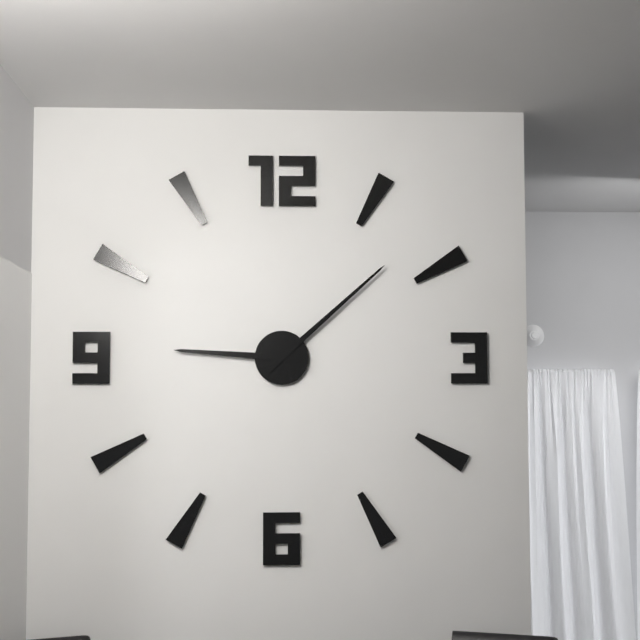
9:08
